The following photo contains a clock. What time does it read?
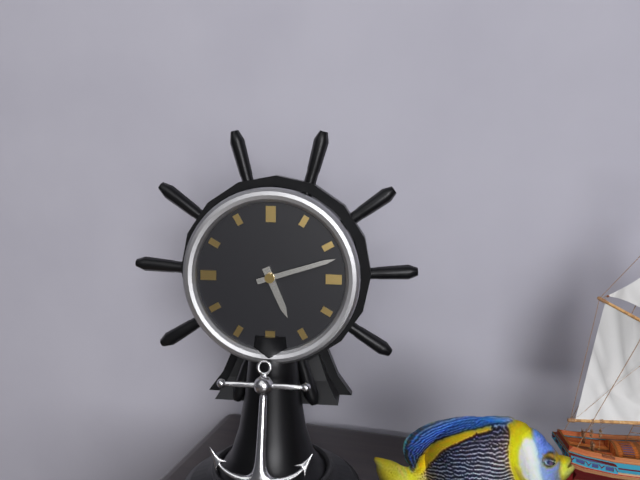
5:12
